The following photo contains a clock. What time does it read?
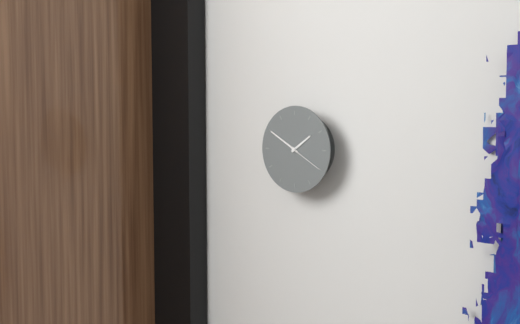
1:50
